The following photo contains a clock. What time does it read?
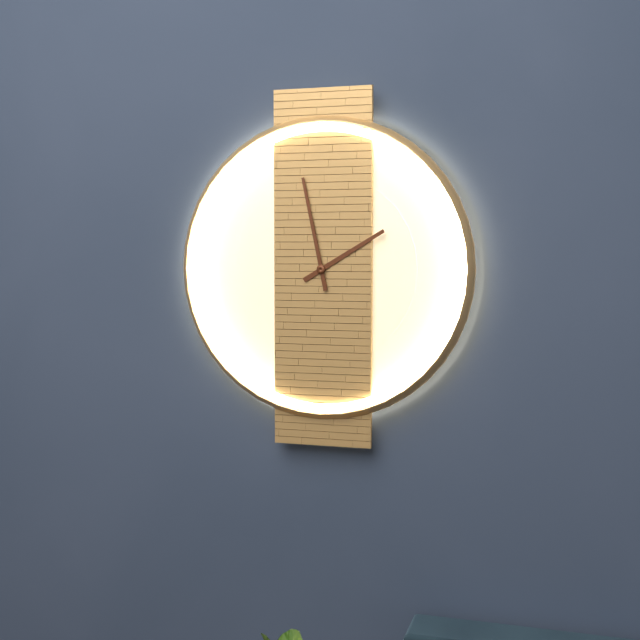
1:58
